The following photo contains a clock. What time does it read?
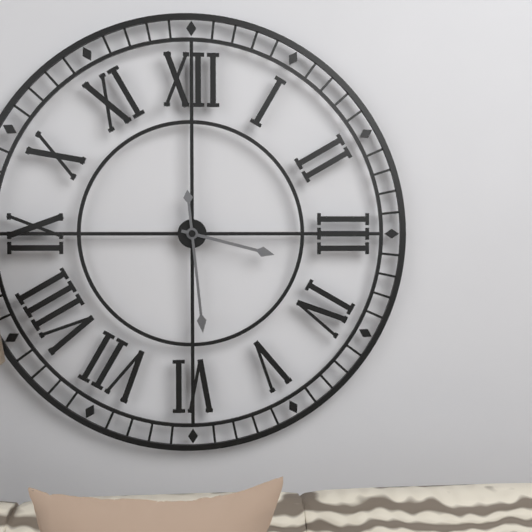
3:29
